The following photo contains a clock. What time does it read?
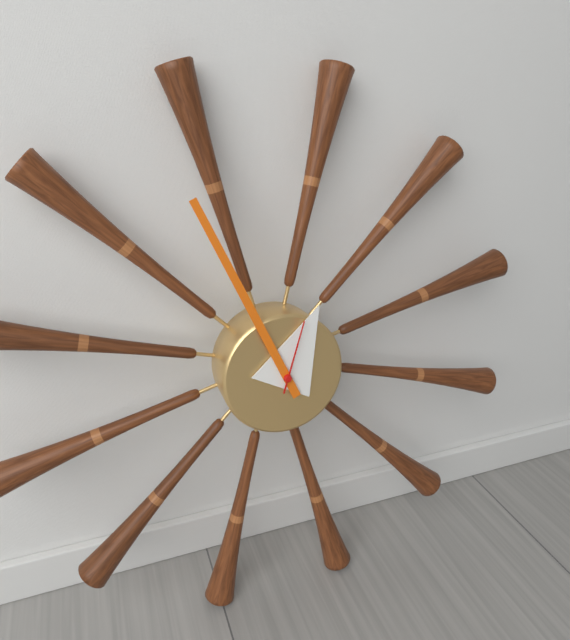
12:56:03
